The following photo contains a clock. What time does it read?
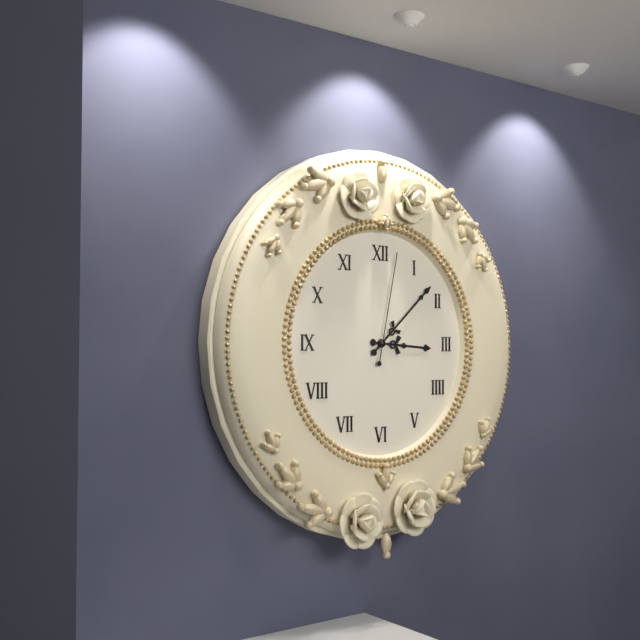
3:08:02
